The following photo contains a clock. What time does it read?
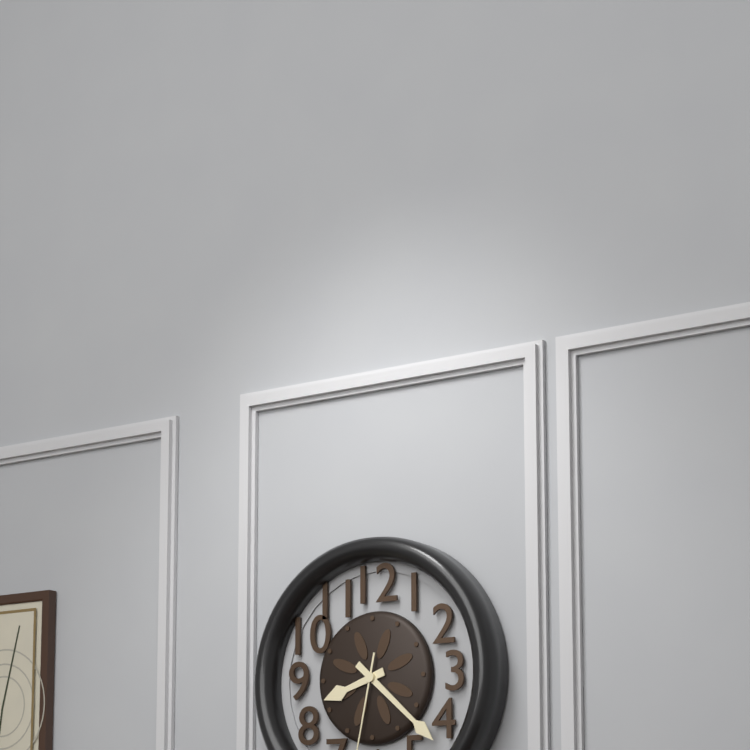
8:22
